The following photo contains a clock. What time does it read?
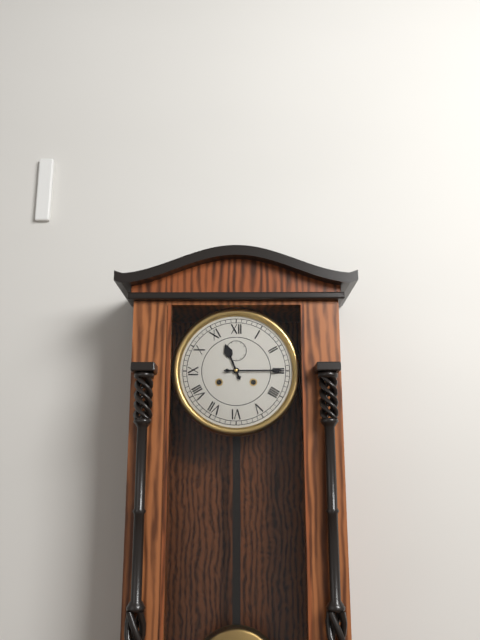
11:15
